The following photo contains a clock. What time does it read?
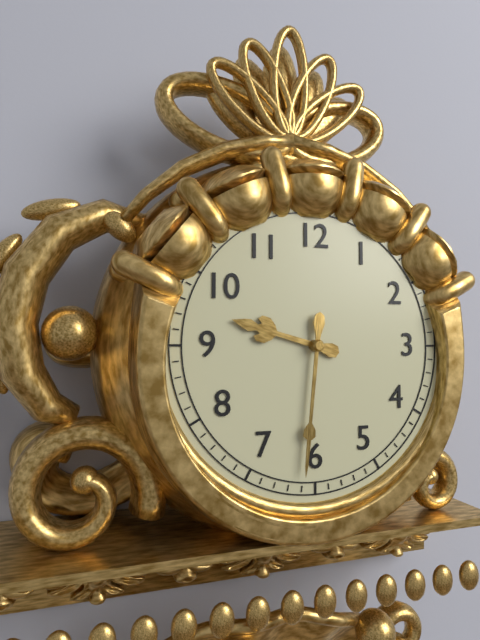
9:31
